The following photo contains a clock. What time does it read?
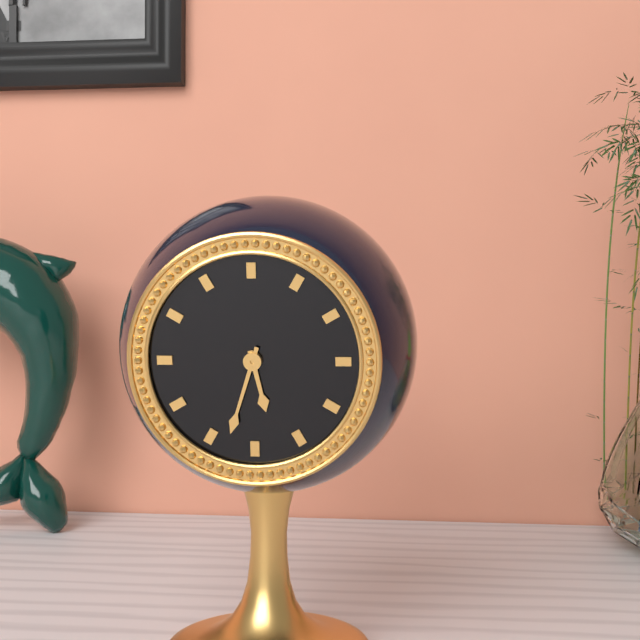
5:33
